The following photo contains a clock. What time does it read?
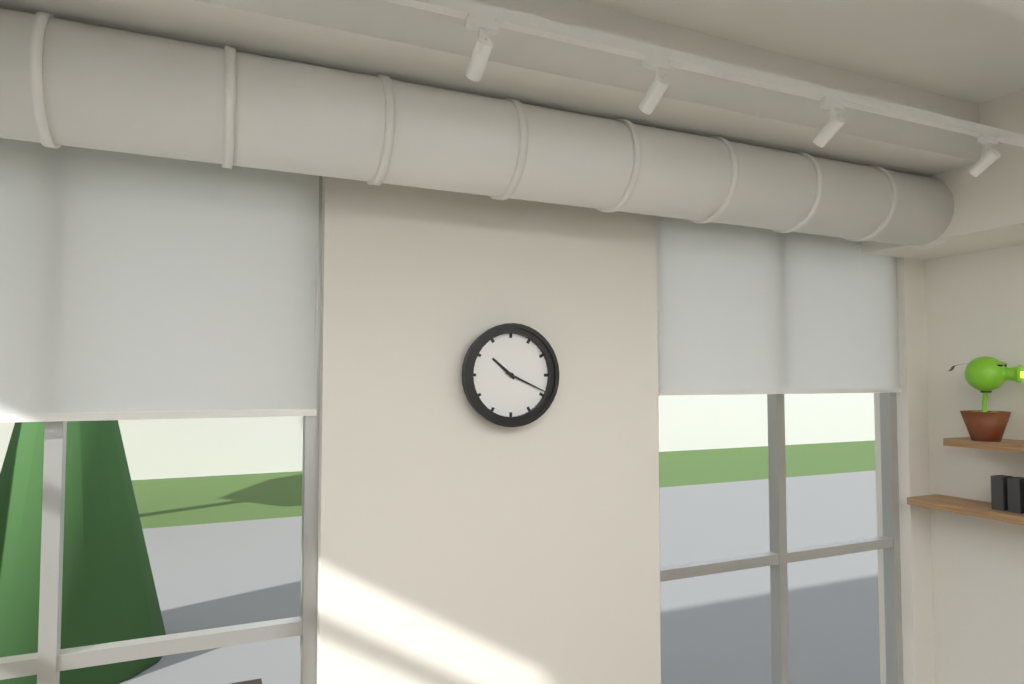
10:19
